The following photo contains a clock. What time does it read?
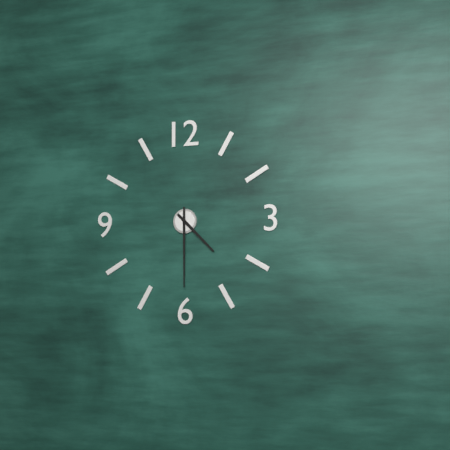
4:30
